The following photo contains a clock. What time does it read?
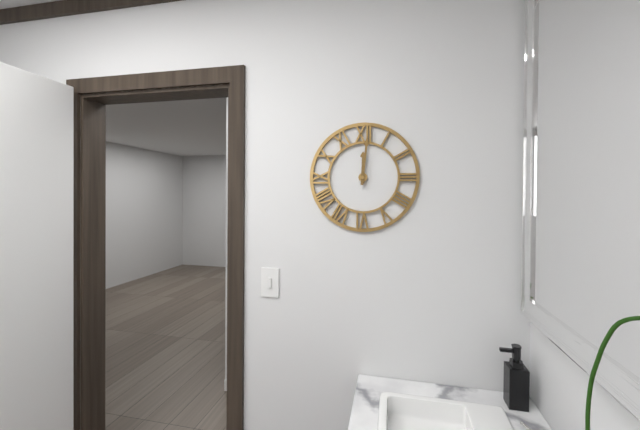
12:01
